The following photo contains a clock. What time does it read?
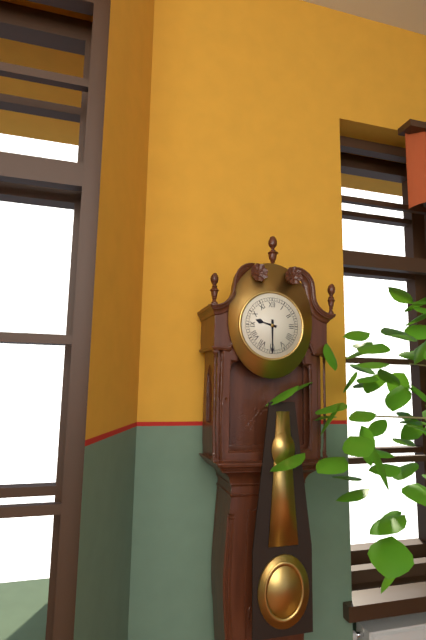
9:30
